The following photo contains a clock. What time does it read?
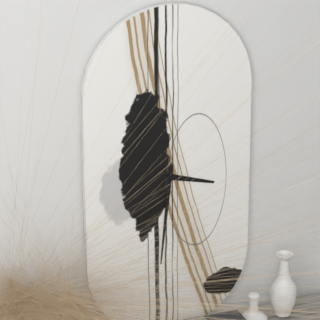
3:31
